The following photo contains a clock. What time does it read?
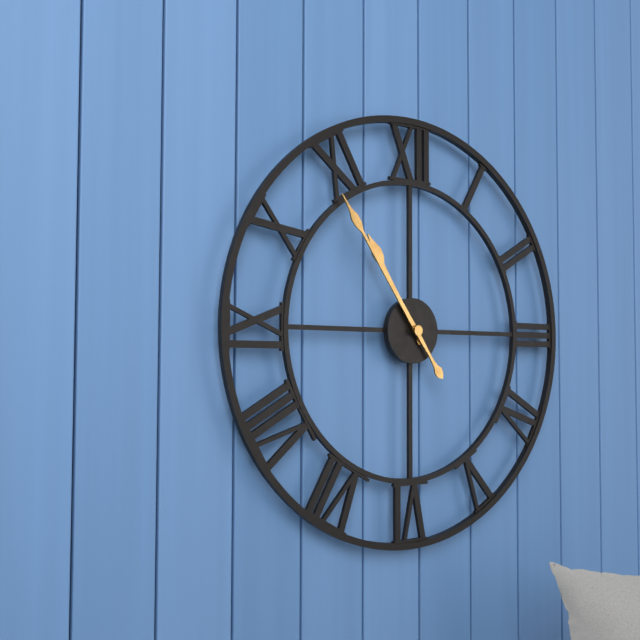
10:54
